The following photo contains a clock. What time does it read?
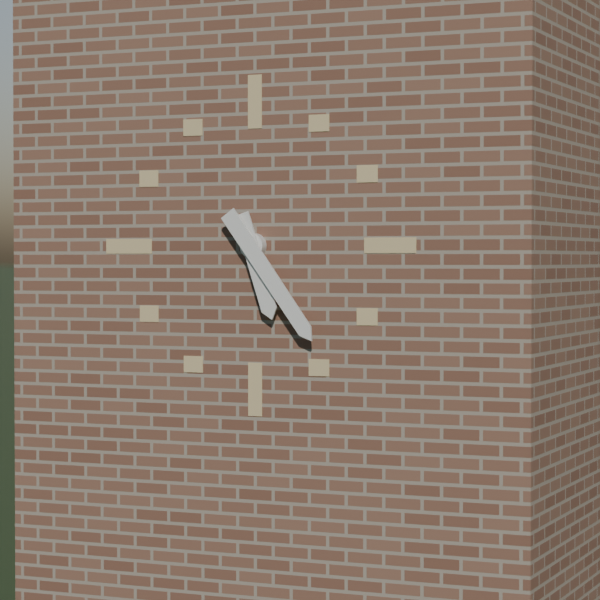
5:24
